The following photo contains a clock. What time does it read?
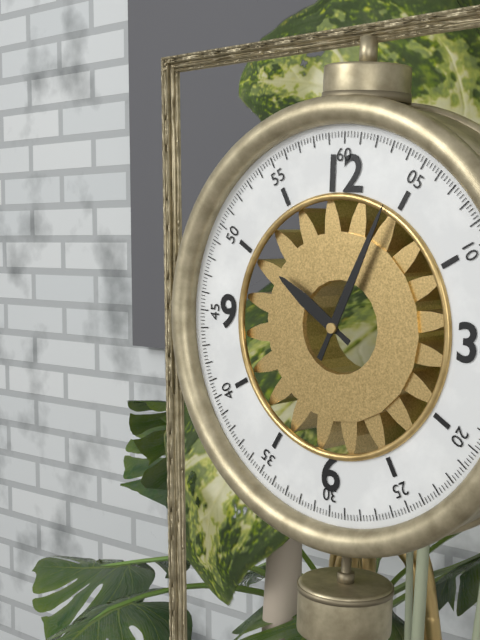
10:04
